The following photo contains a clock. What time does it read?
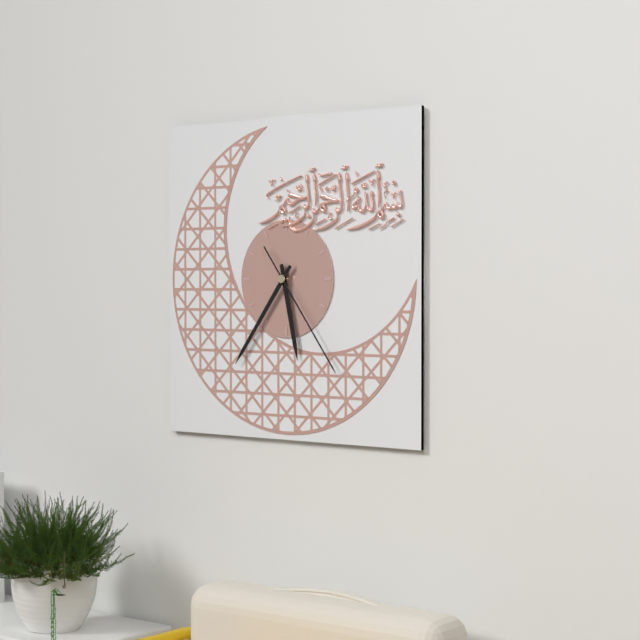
5:36:24
